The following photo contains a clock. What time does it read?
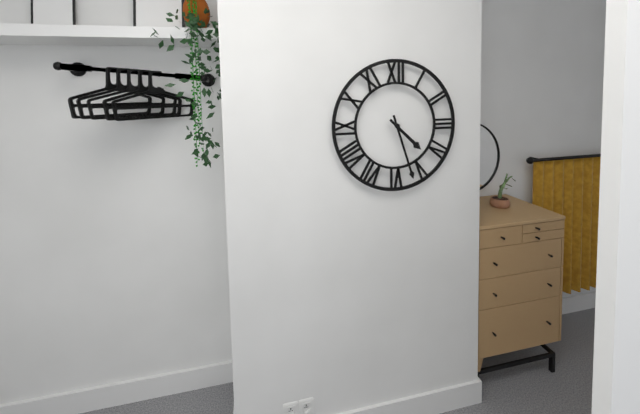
4:27
